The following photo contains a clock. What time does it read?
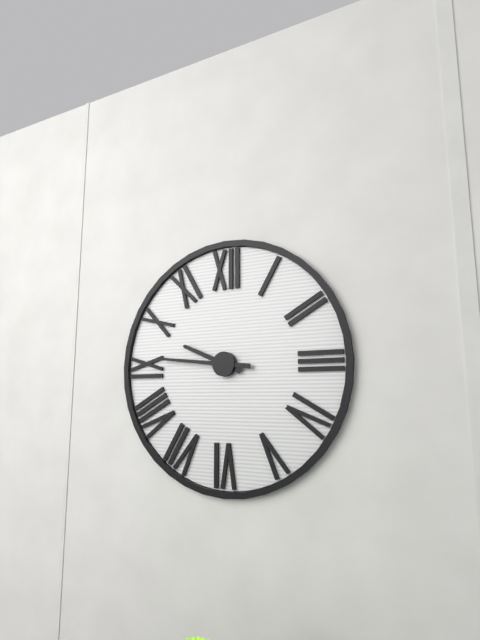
9:46
